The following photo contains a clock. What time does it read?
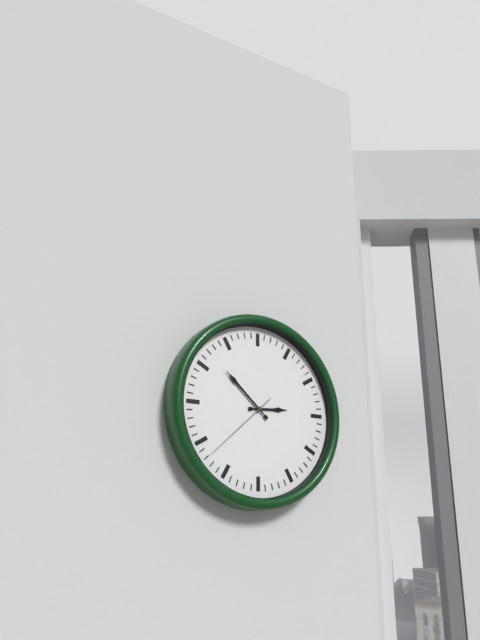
2:52:38
